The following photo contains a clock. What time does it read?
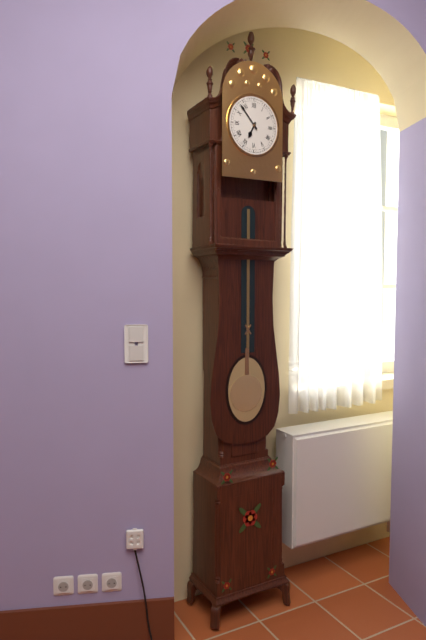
6:53
